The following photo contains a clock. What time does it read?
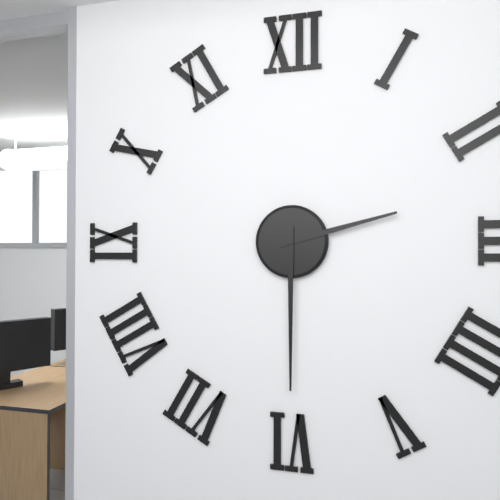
2:30
